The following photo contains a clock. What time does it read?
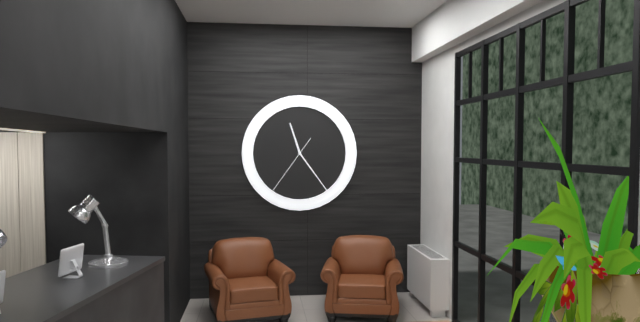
11:24:36
